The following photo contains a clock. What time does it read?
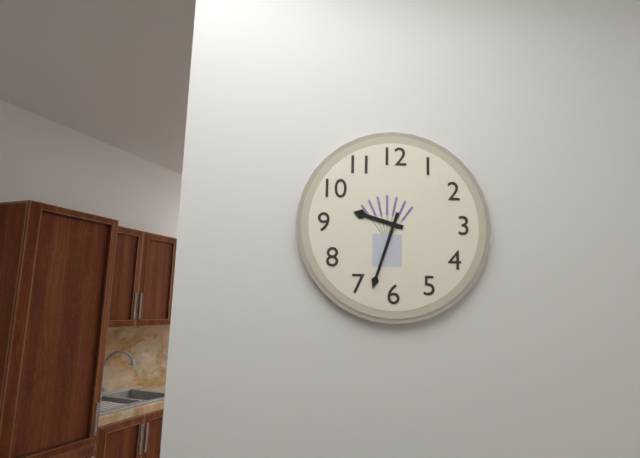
9:33
